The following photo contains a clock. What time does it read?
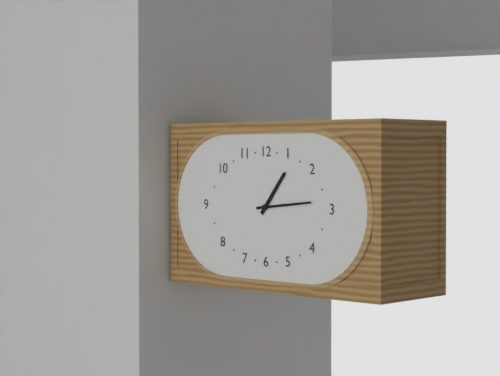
1:14
